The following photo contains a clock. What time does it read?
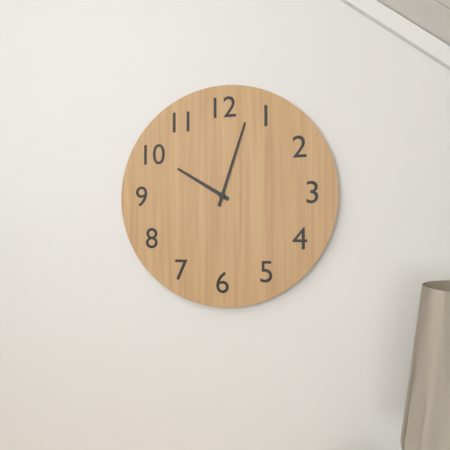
10:03
